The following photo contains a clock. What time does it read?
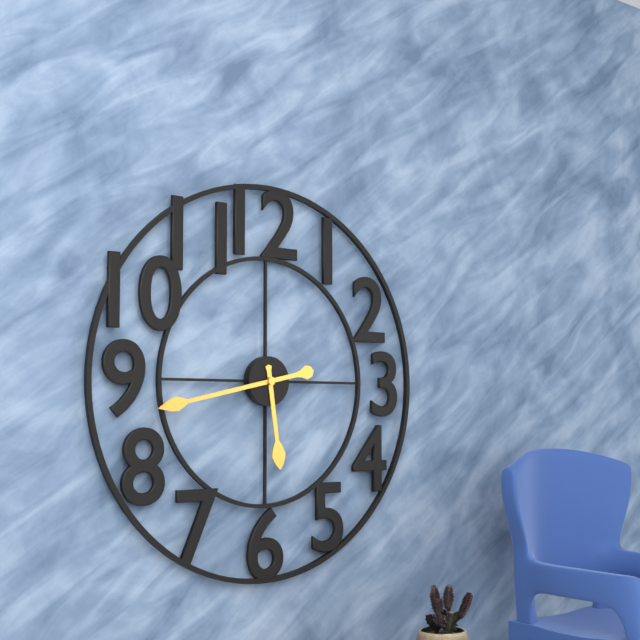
5:43
